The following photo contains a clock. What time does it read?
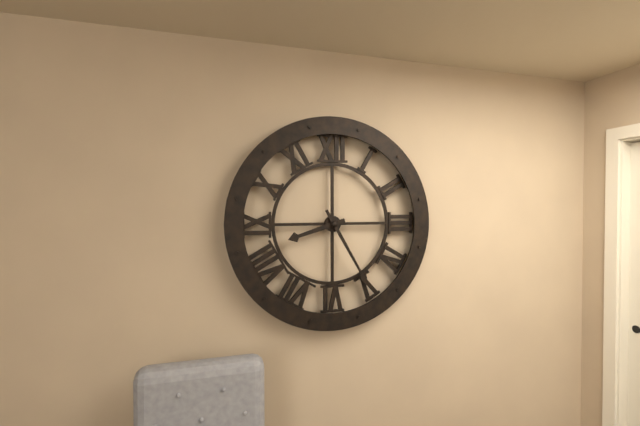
8:25
